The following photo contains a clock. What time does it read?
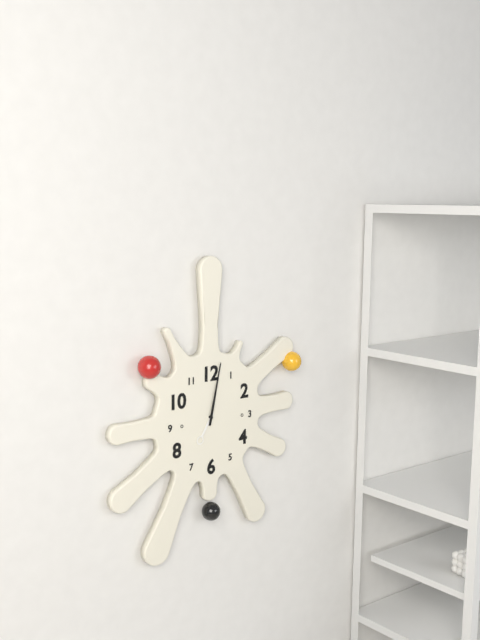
7:02
